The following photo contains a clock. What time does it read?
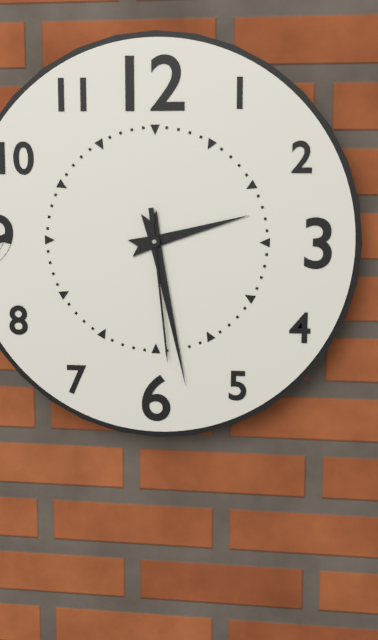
2:28:29
